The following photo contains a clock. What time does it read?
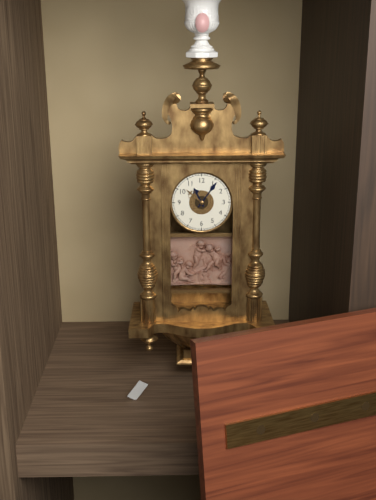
11:06
